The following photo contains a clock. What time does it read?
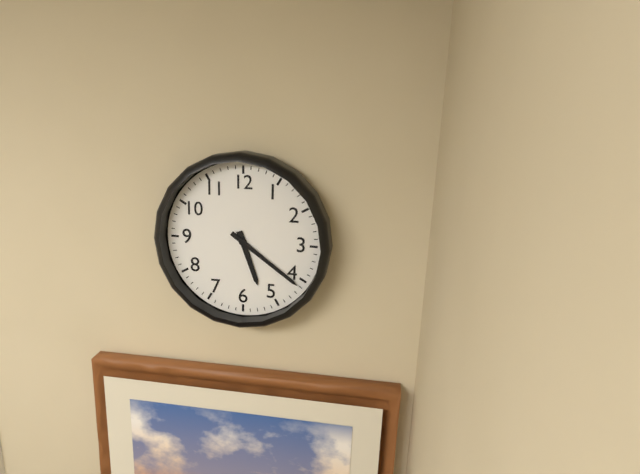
5:21
